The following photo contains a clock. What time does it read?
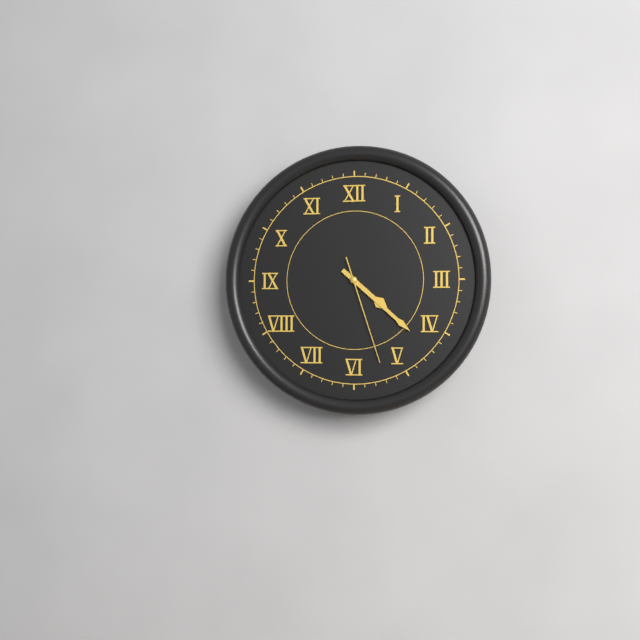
4:22:27
